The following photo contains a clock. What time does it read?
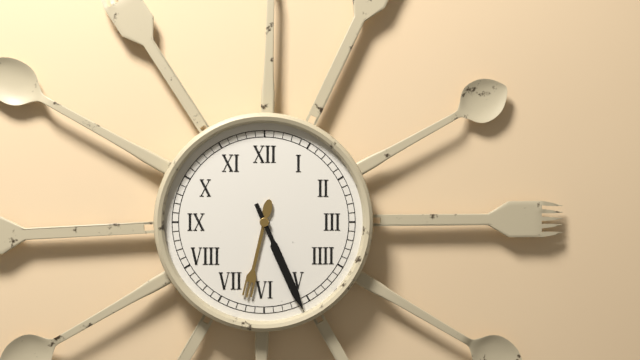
6:26
